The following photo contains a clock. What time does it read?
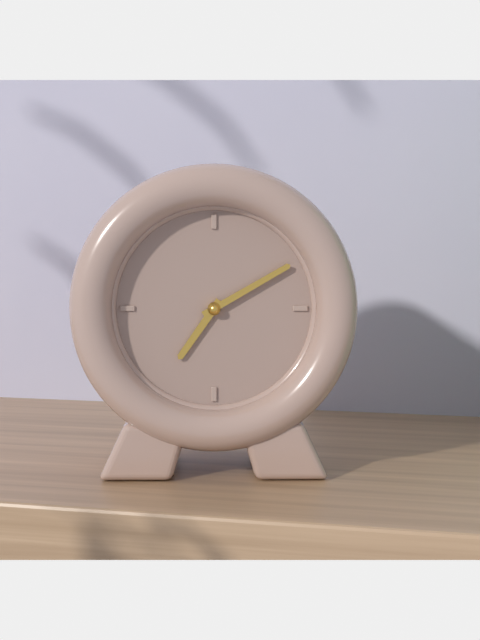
7:10
